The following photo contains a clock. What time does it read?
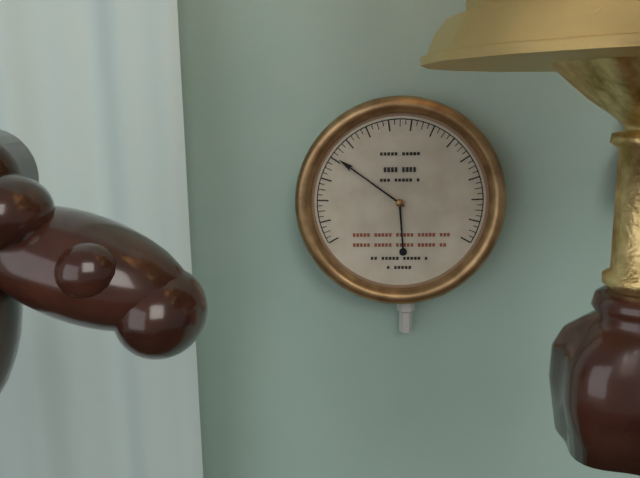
5:51
